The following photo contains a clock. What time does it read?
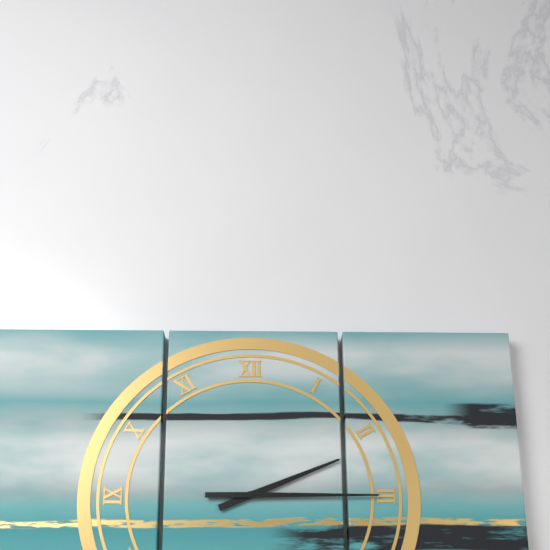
2:15
